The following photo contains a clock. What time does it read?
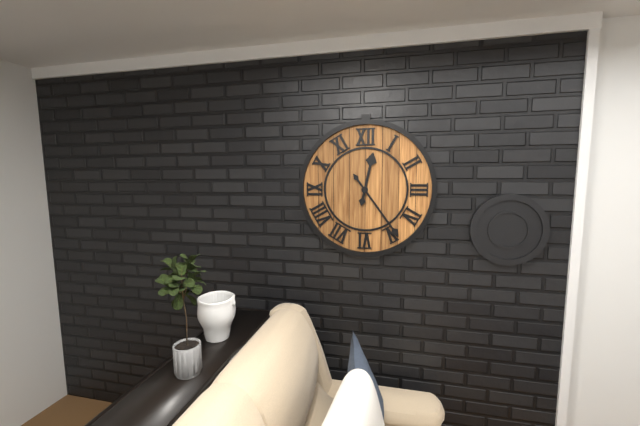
12:24
